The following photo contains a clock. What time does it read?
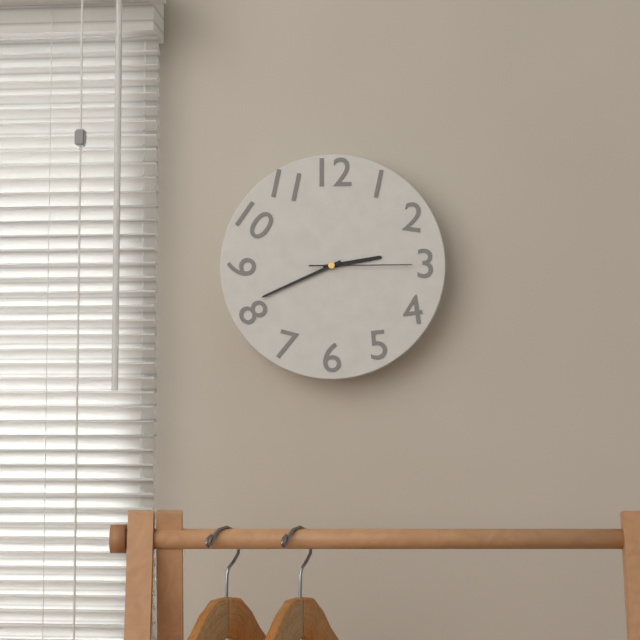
2:41:15
